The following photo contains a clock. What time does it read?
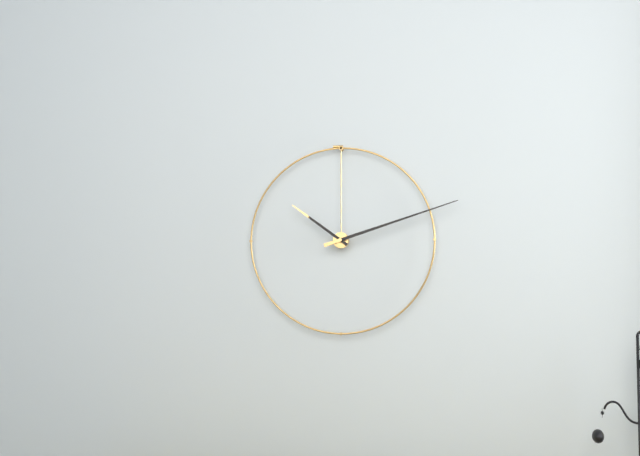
10:12
